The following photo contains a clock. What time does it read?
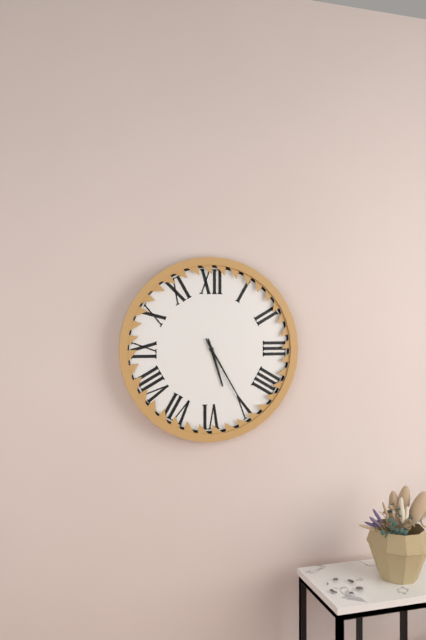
5:25
